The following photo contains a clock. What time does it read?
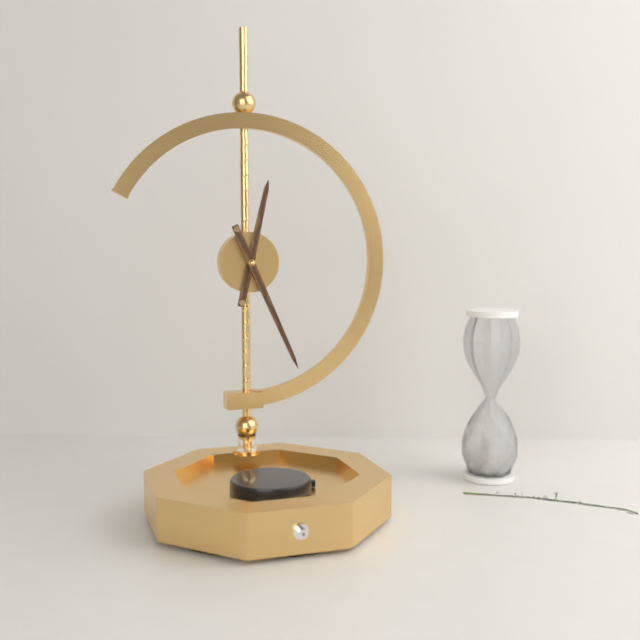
12:26
